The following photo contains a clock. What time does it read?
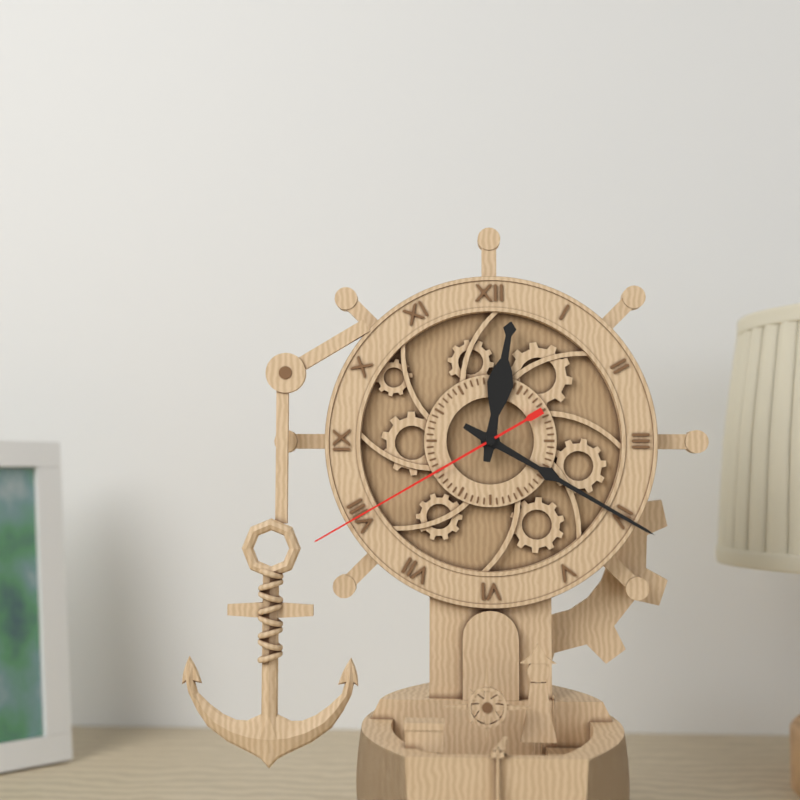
12:20:40
